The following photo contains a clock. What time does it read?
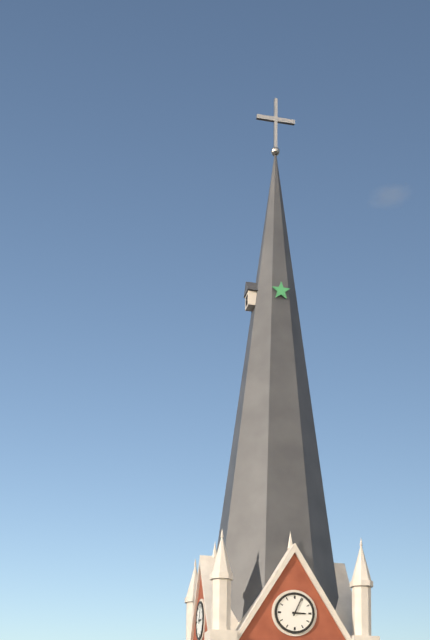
3:04
